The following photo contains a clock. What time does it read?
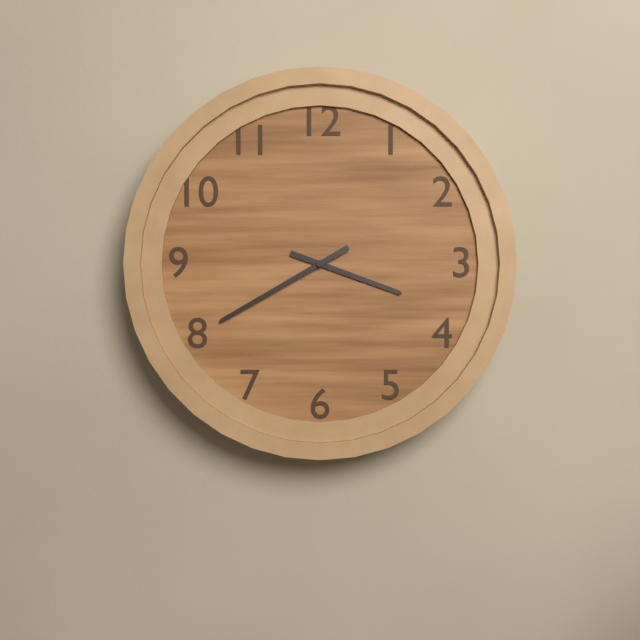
3:40
